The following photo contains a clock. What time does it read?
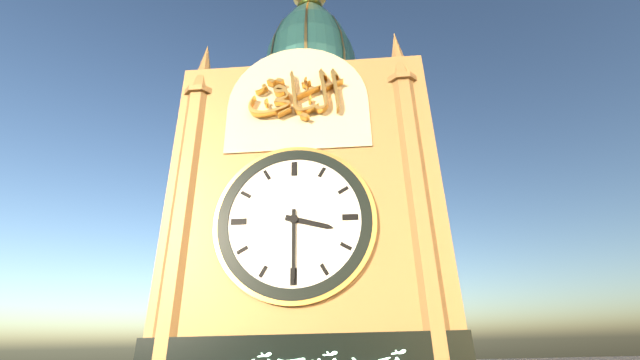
3:30
